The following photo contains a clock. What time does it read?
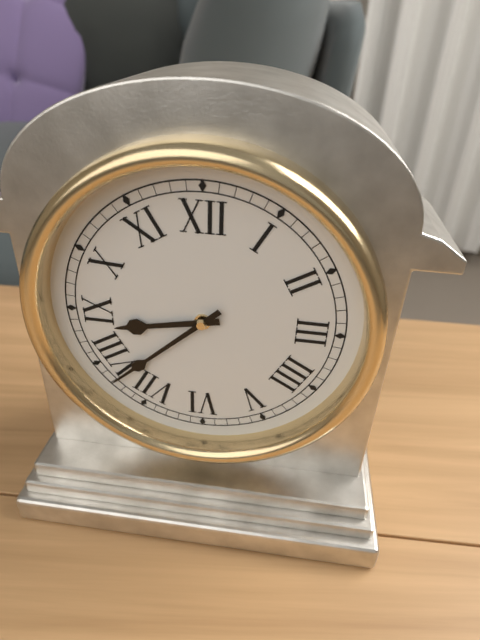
8:38
